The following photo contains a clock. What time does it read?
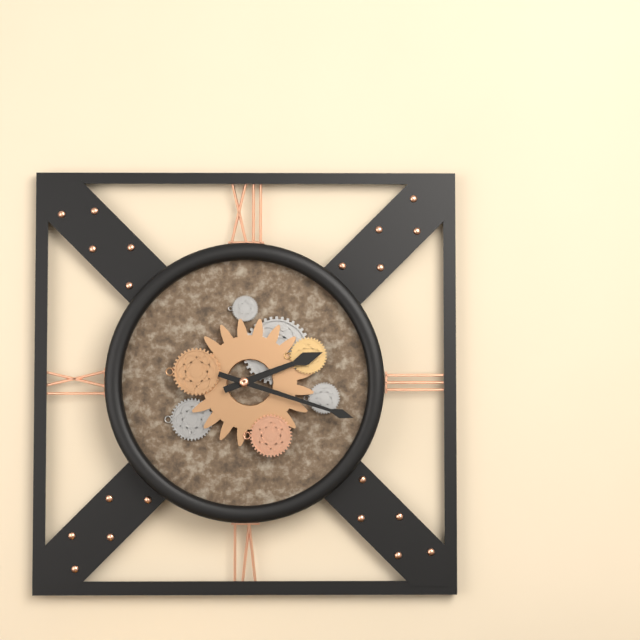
2:18
